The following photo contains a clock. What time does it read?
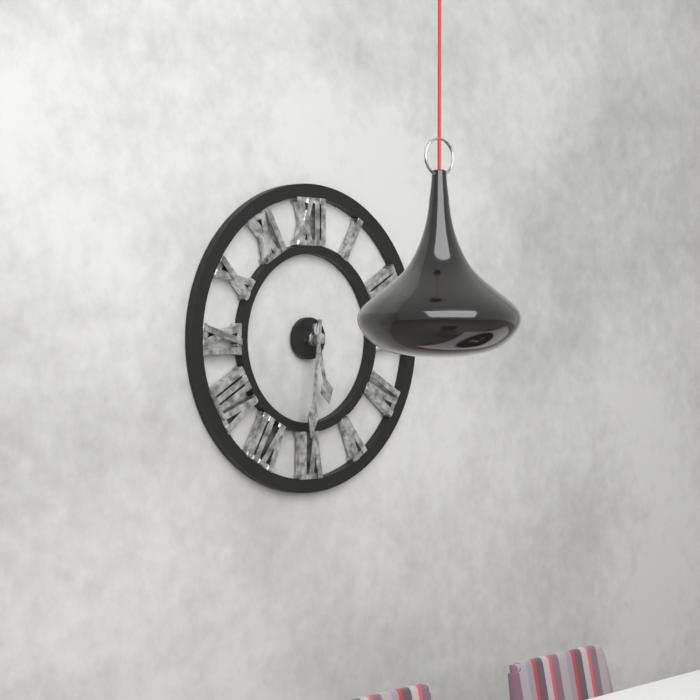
5:31
